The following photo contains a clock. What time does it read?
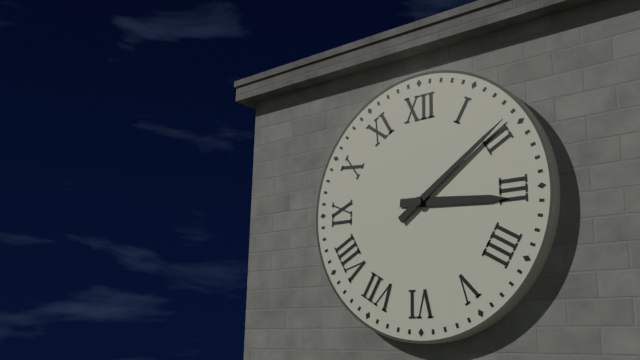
3:09
